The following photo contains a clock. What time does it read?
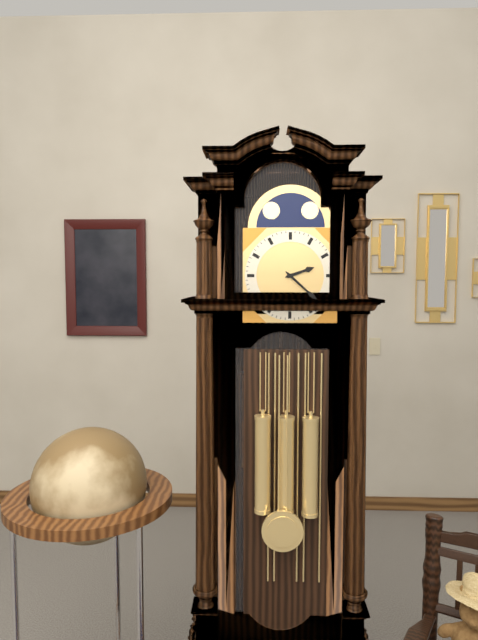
2:22
